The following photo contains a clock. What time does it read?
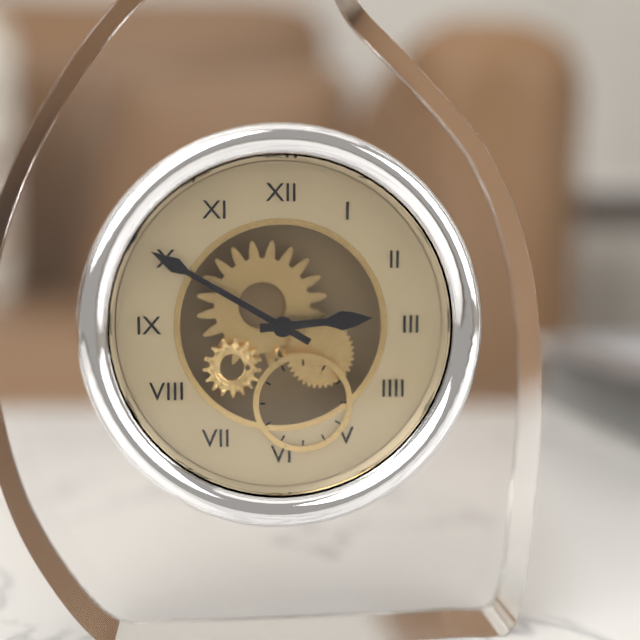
2:50
